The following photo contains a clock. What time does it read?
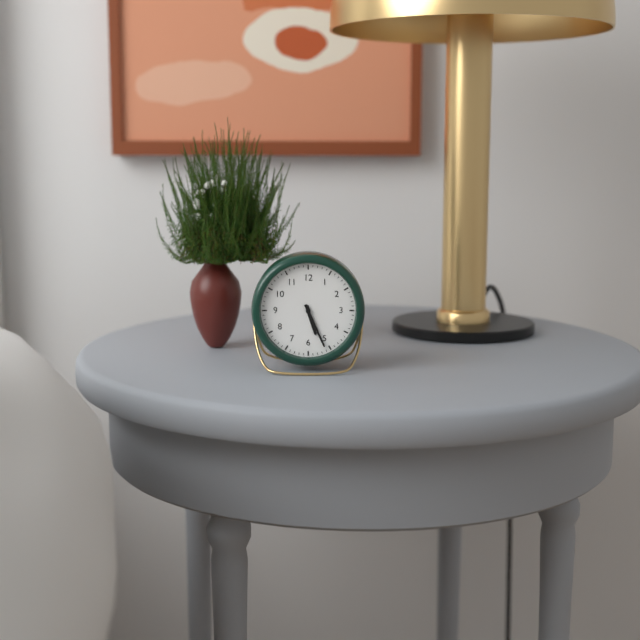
5:26
